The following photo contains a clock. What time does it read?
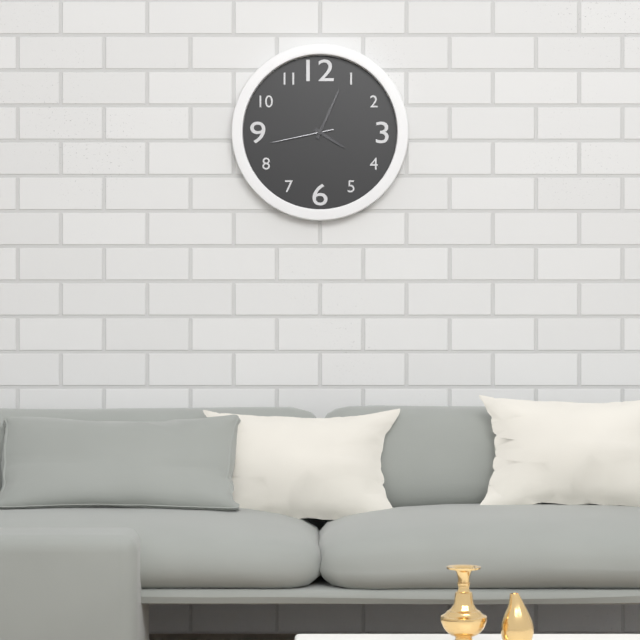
4:04:43
